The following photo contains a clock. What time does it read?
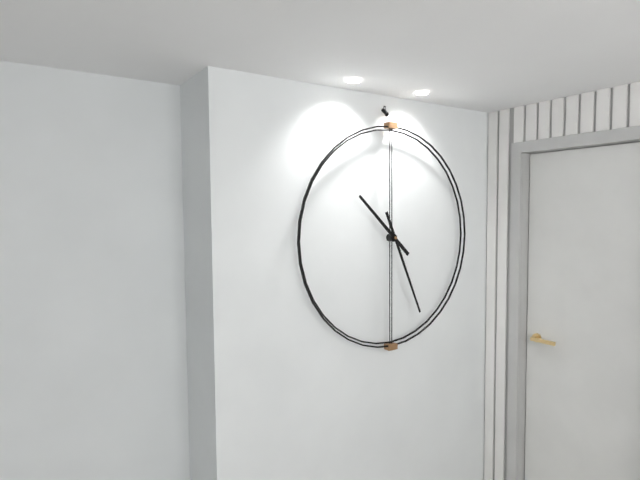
10:26
